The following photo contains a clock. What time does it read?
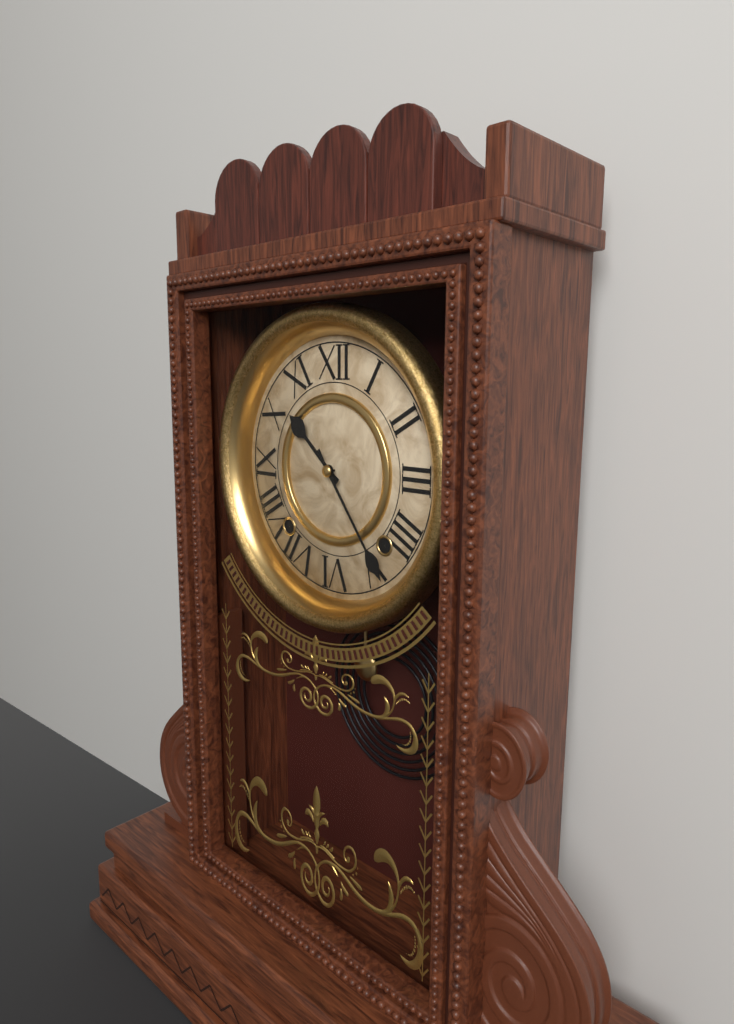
10:24
